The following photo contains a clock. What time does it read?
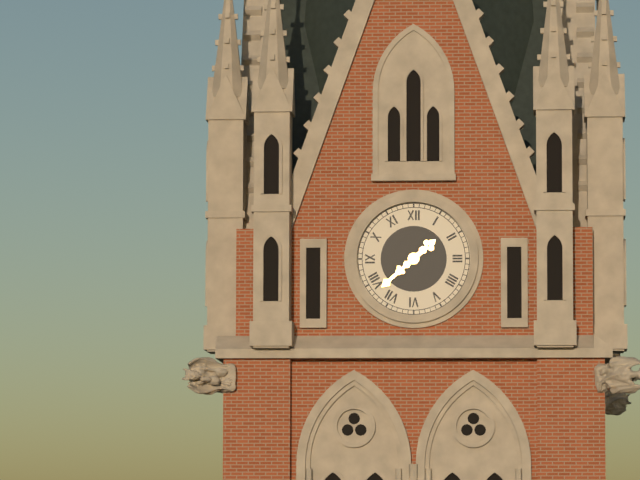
1:38
